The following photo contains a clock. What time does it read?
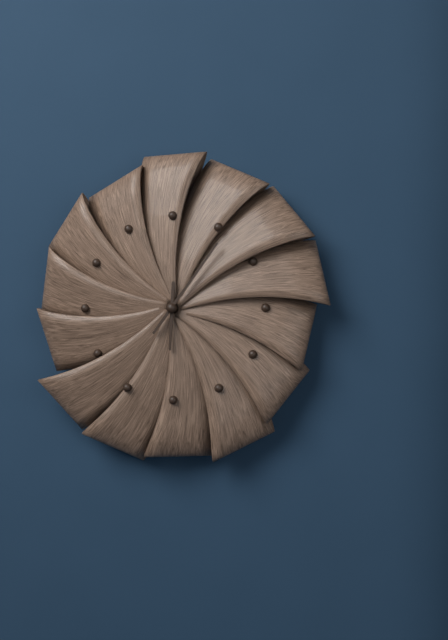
6:06
